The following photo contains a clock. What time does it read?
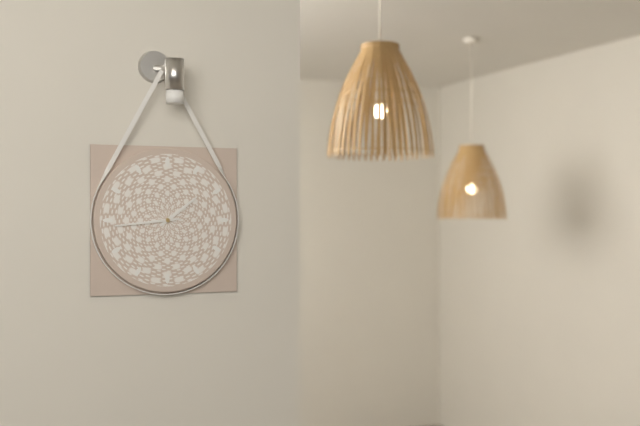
1:44
